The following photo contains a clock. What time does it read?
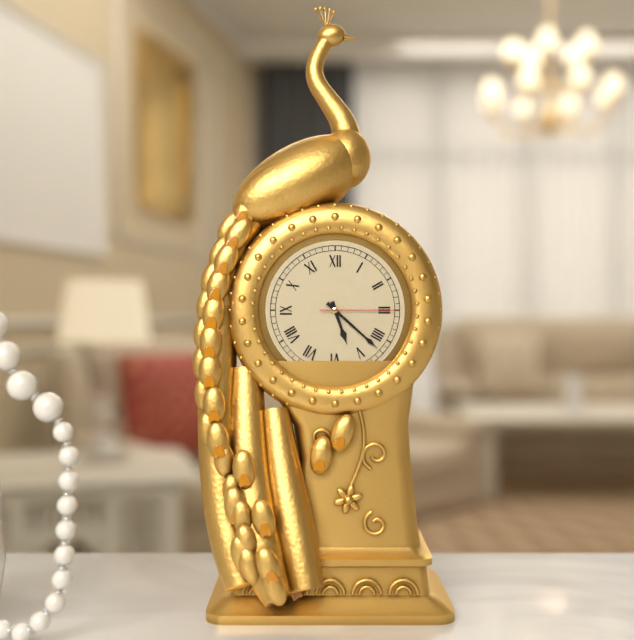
5:22:15
